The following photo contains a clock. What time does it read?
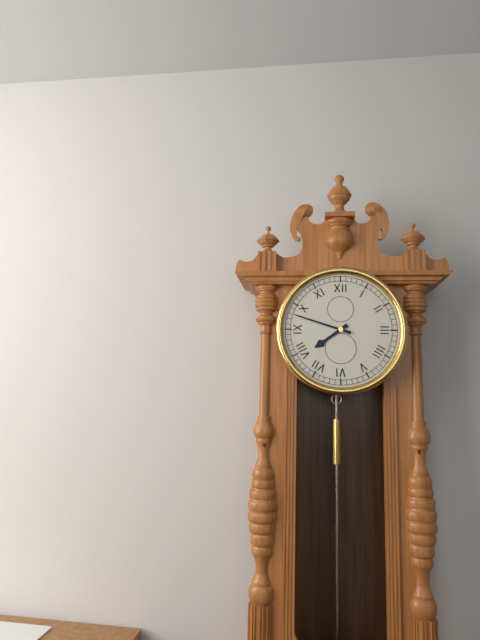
7:48
